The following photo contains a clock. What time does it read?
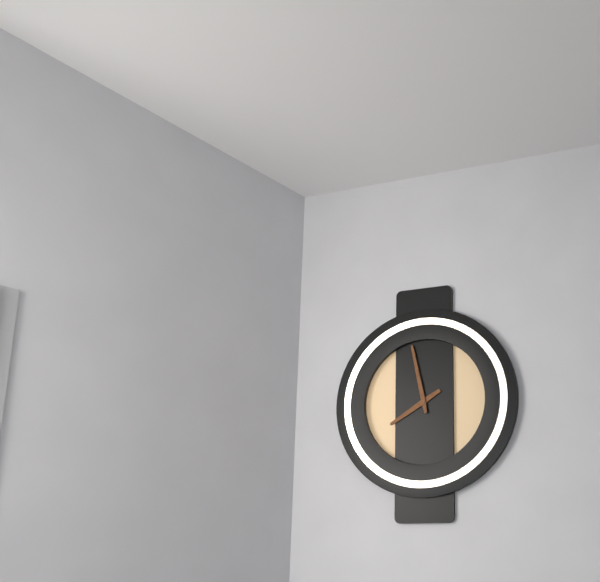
7:58
